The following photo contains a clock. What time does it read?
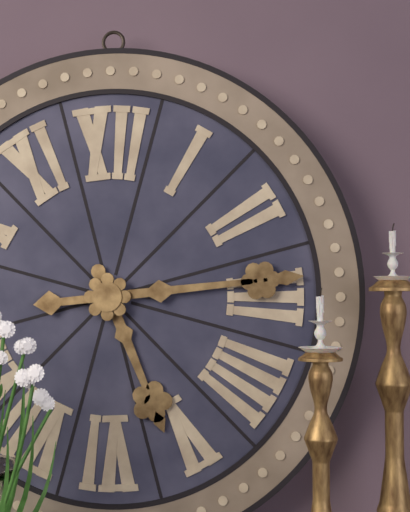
5:14
